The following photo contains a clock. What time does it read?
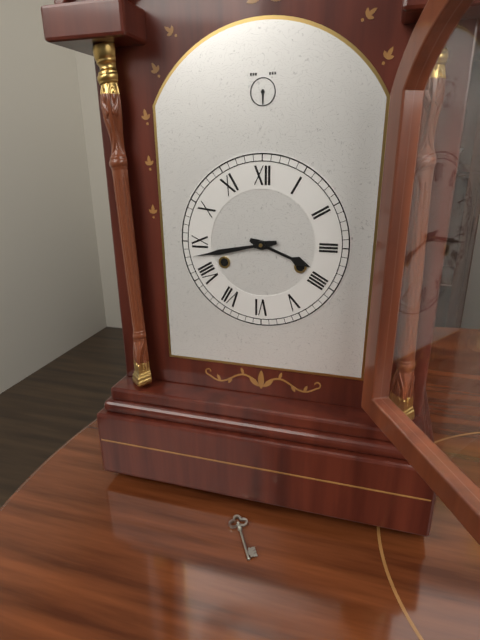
3:43
